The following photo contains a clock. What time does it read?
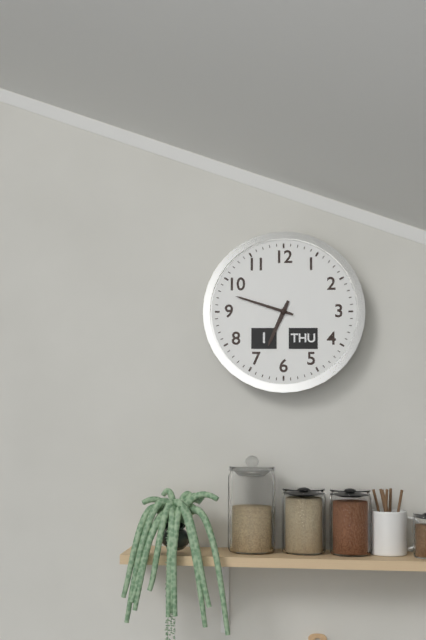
6:48
